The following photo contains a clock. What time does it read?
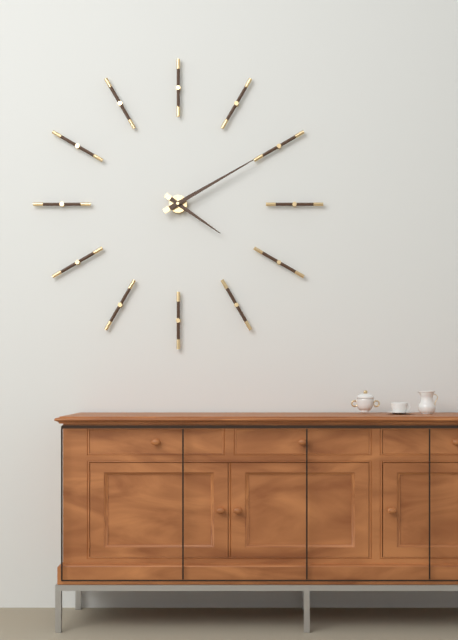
4:10
